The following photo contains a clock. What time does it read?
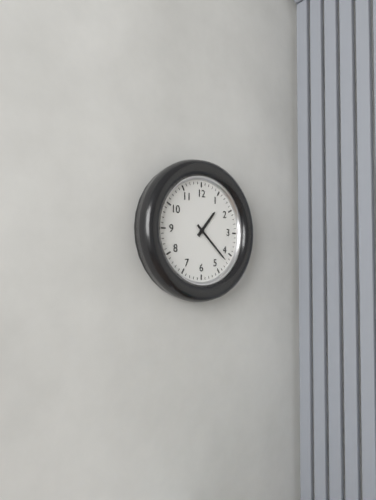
1:22
